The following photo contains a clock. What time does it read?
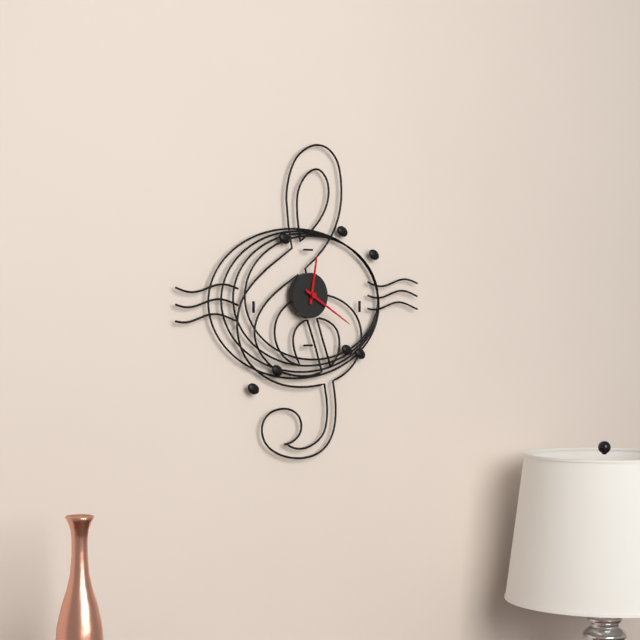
12:20
